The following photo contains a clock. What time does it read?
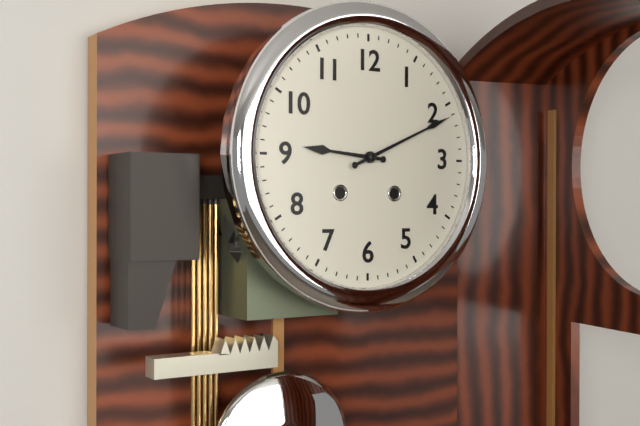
9:11
